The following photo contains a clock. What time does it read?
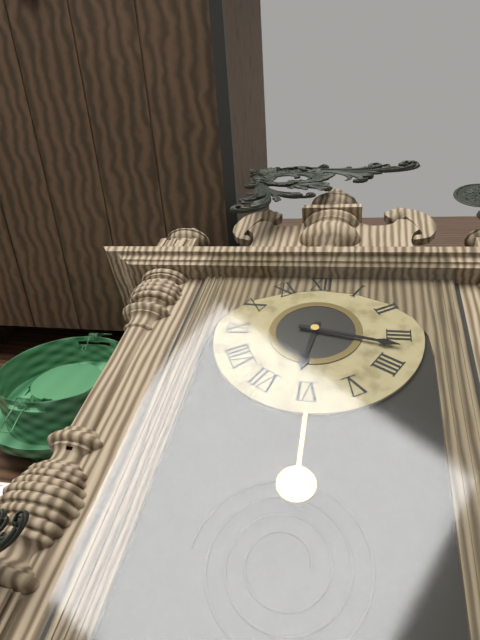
6:17
